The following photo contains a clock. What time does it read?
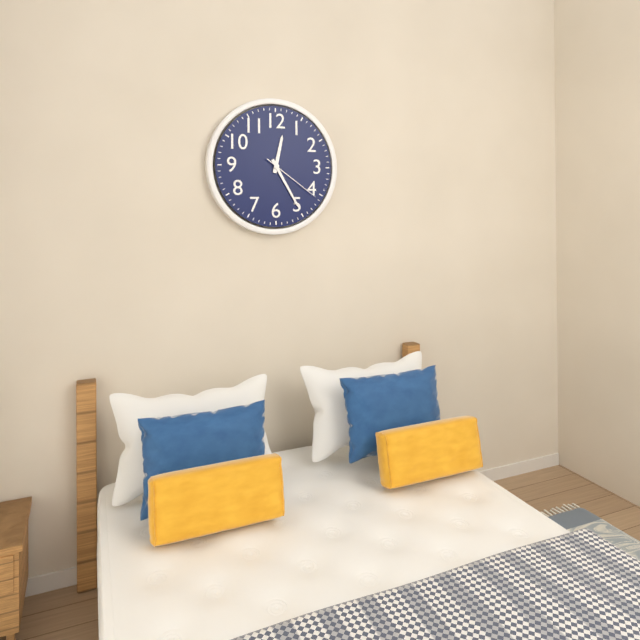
12:25:21
